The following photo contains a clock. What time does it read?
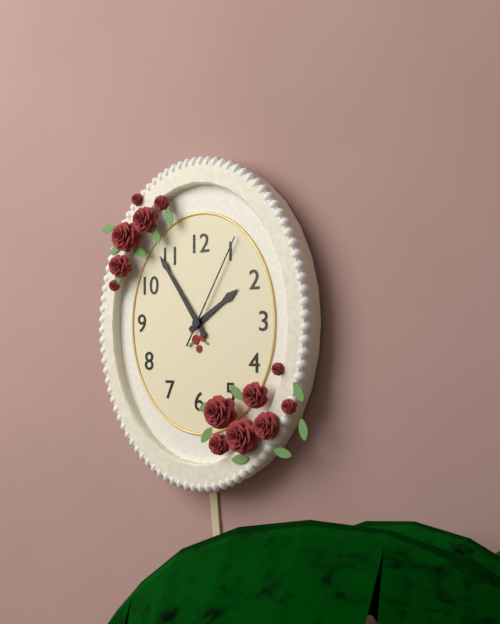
1:54:05
